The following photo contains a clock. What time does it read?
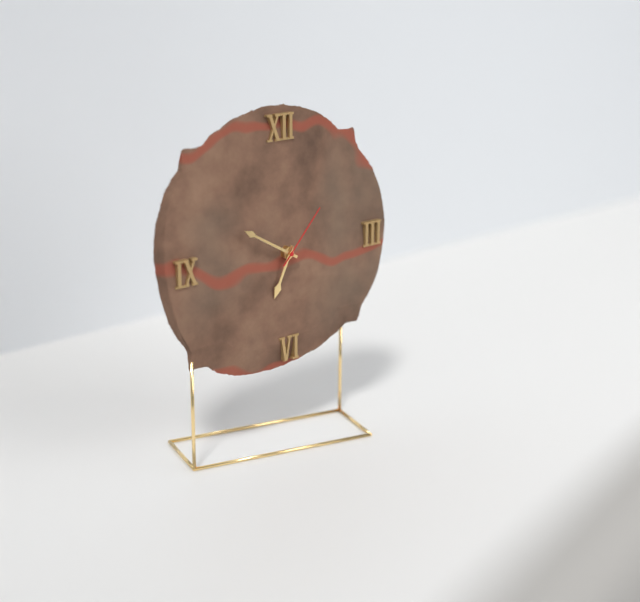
6:50:07
